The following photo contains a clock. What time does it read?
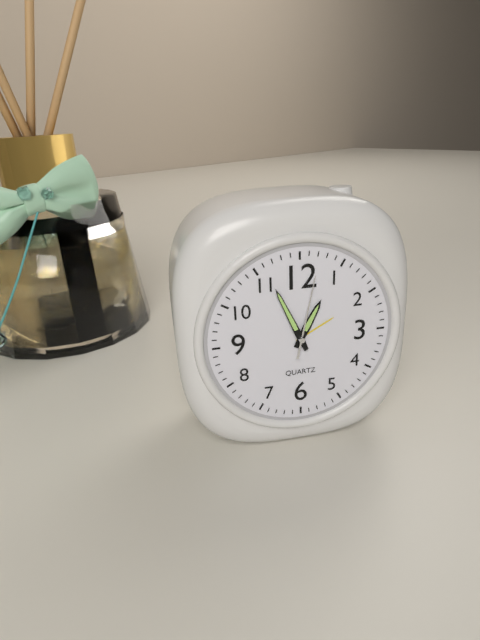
12:56:02
